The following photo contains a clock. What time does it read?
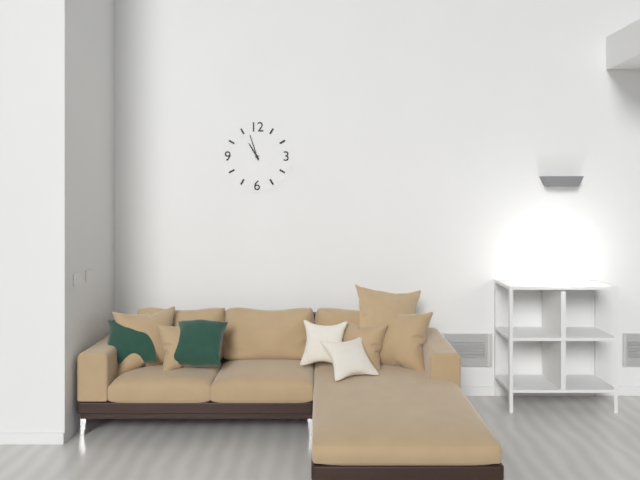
10:57
